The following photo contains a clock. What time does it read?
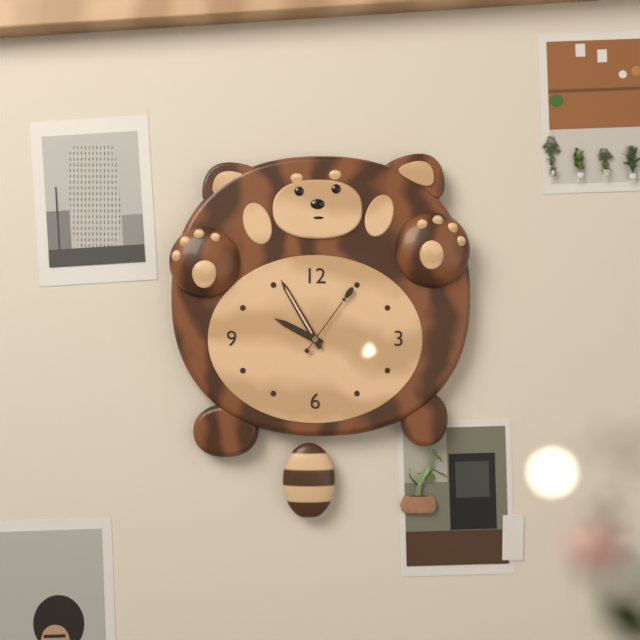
9:55:06
